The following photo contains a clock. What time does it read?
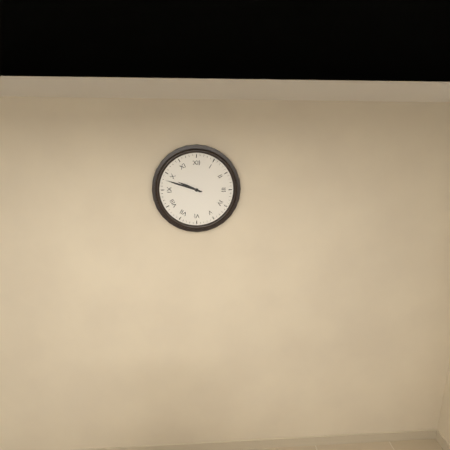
9:48
